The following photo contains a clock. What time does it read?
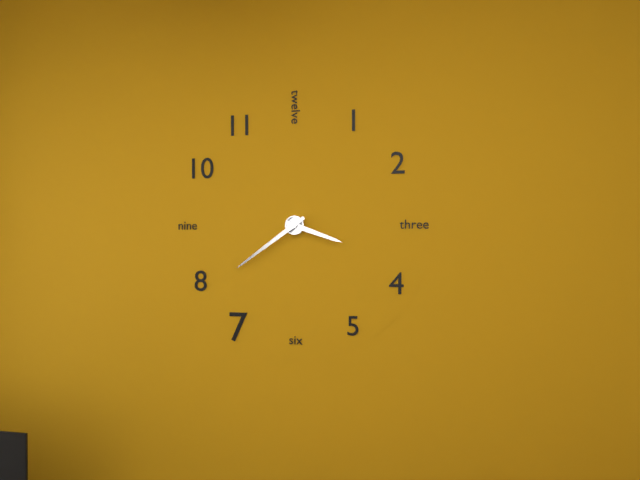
3:39
